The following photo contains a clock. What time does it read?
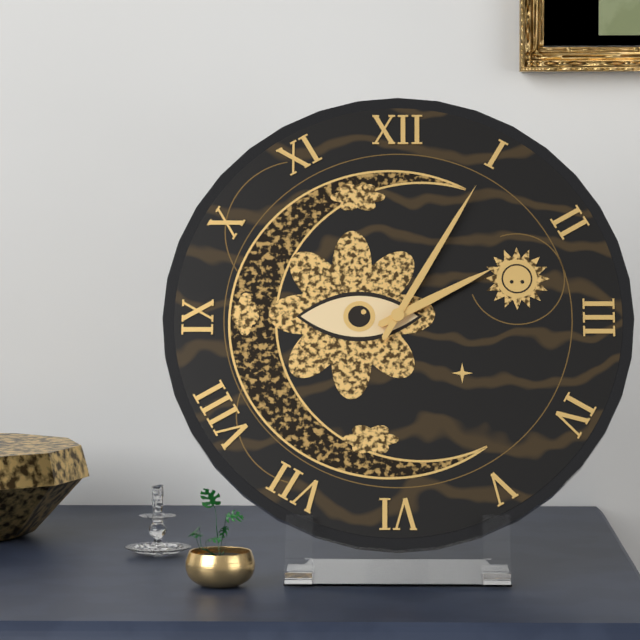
2:05
